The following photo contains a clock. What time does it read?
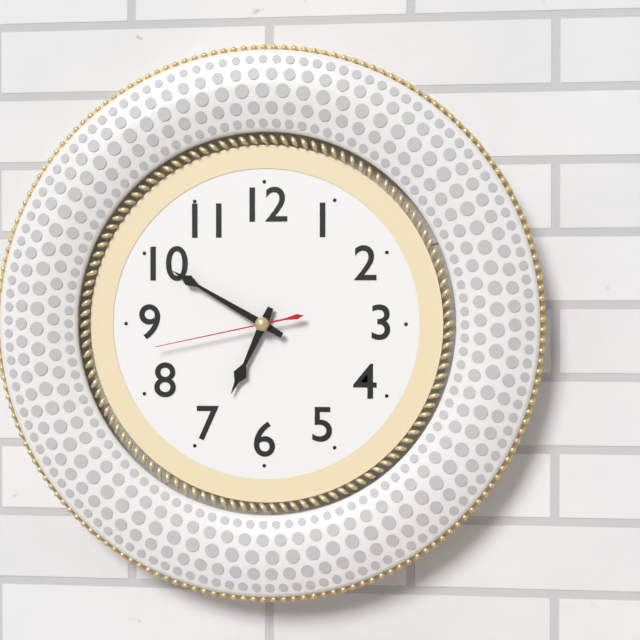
6:50:43
